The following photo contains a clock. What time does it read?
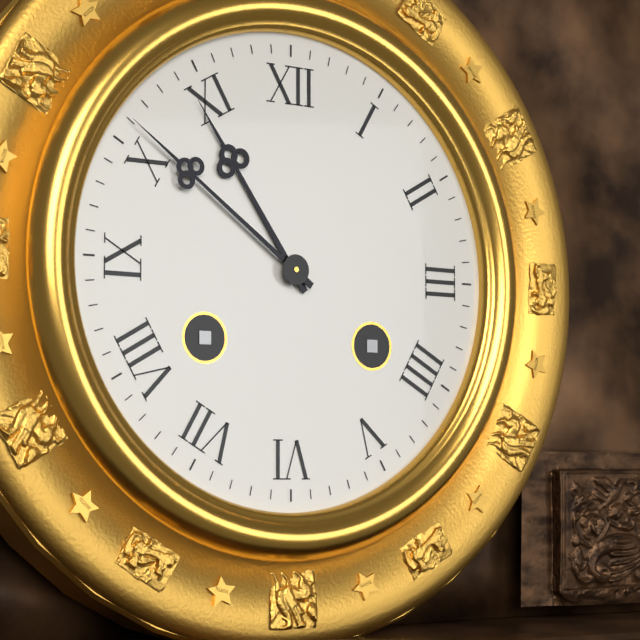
10:51
